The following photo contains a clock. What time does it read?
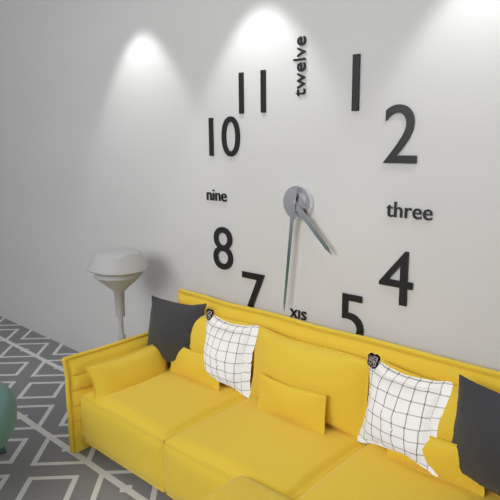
4:31
